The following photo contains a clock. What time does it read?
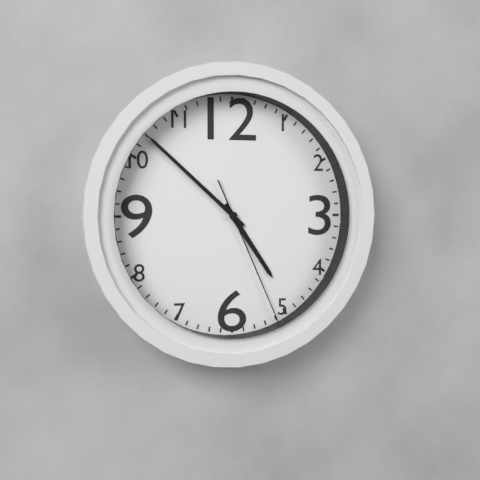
4:52:26
